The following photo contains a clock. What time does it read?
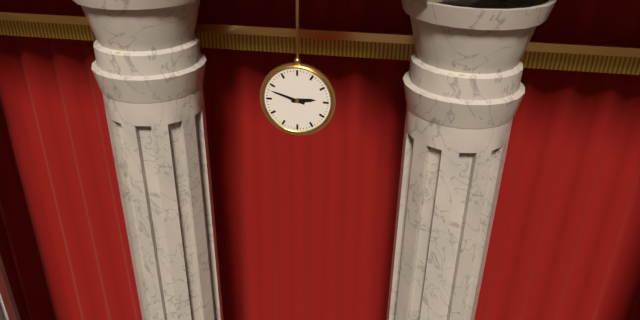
2:48
